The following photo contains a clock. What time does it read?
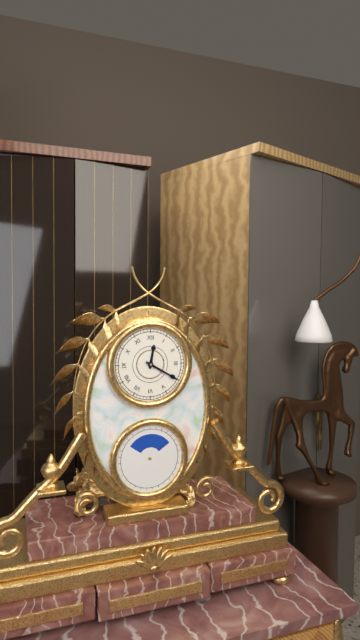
12:20
